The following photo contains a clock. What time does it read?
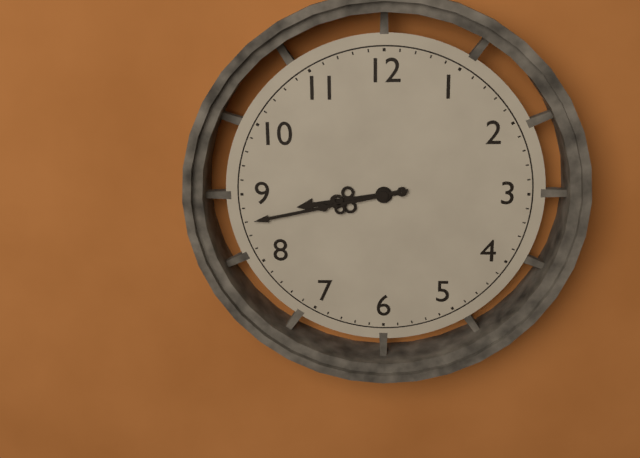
8:43
